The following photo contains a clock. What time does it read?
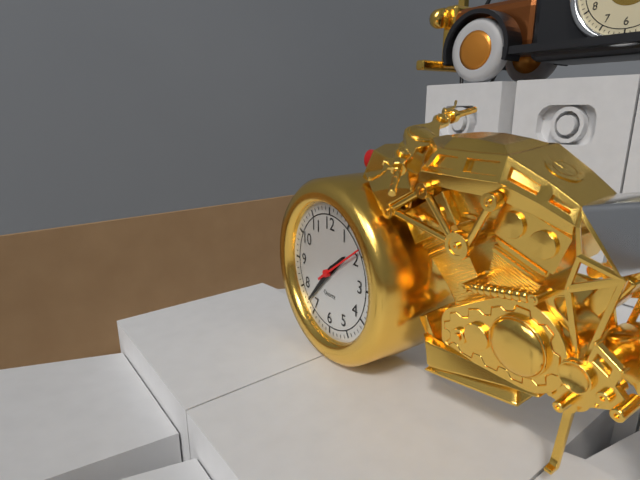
1:37
